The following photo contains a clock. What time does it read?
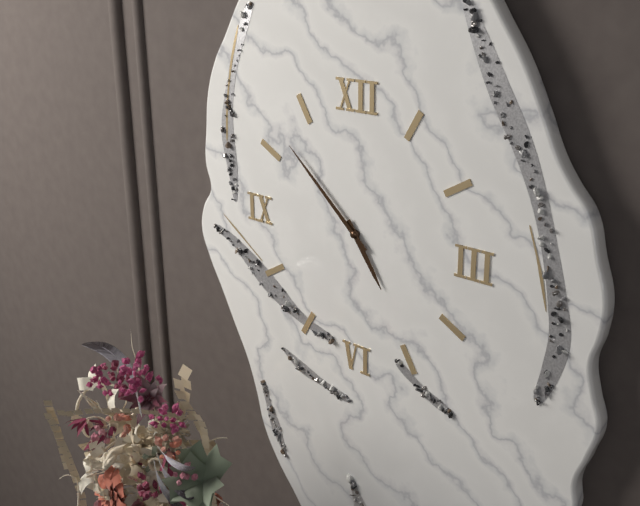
4:52
